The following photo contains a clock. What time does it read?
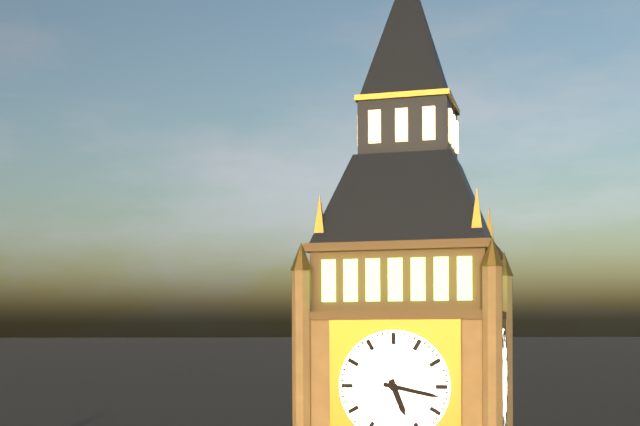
5:17
